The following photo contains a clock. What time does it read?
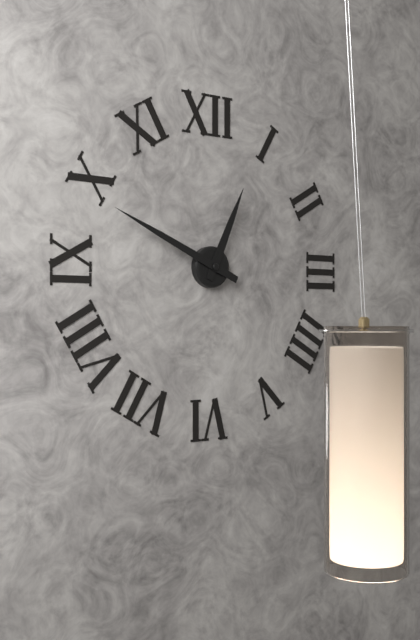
12:49
